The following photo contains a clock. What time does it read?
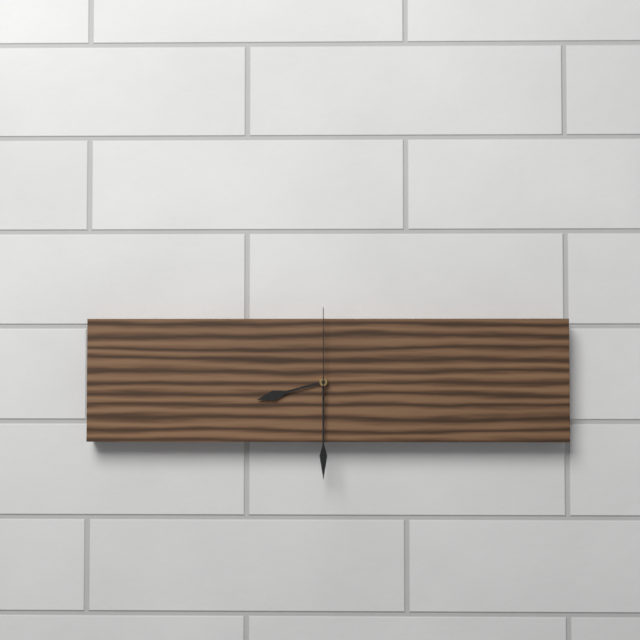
8:30:00
